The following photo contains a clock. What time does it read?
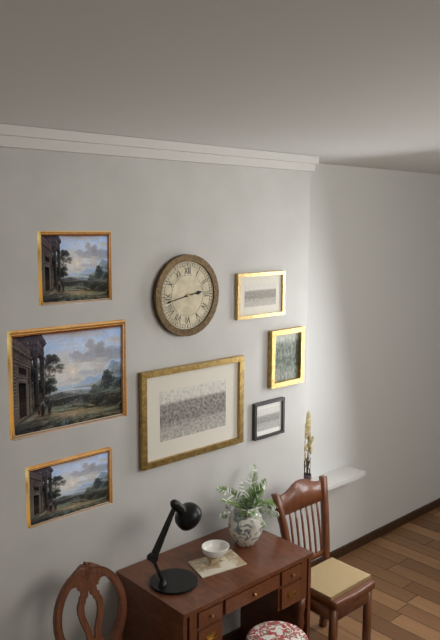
2:43
